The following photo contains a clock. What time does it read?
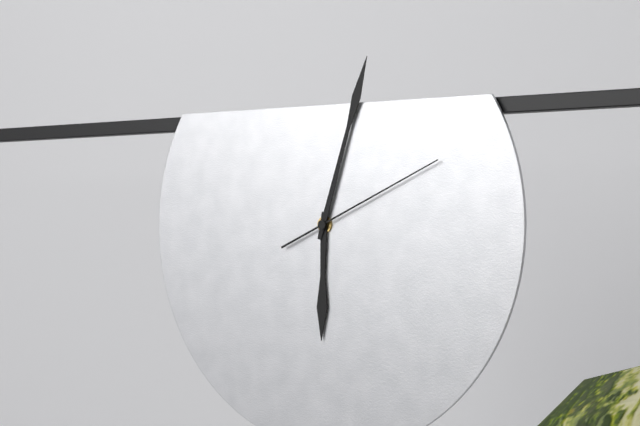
6:03:11
